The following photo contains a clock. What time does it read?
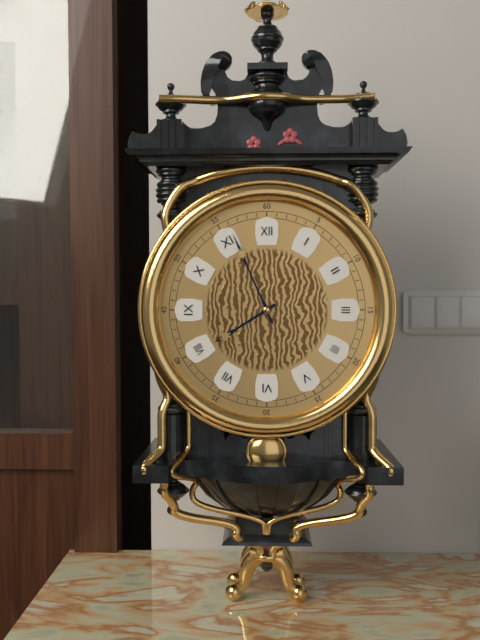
7:56
